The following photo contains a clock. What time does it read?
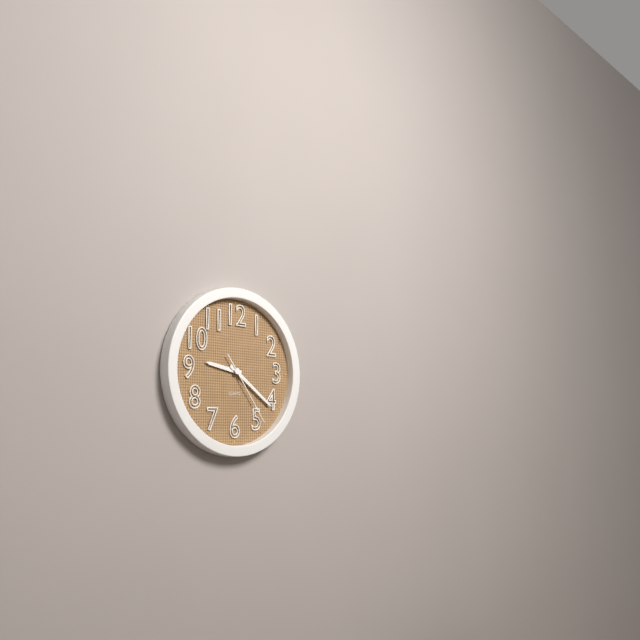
9:21:24
